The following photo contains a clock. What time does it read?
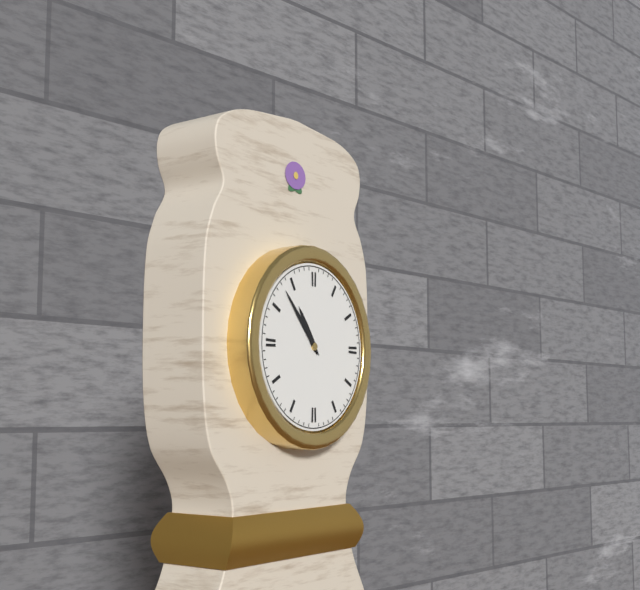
10:53
